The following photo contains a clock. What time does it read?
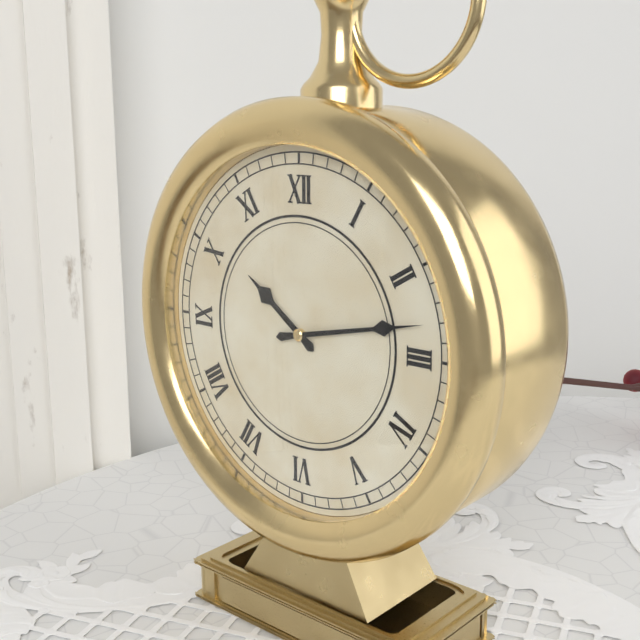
10:13
